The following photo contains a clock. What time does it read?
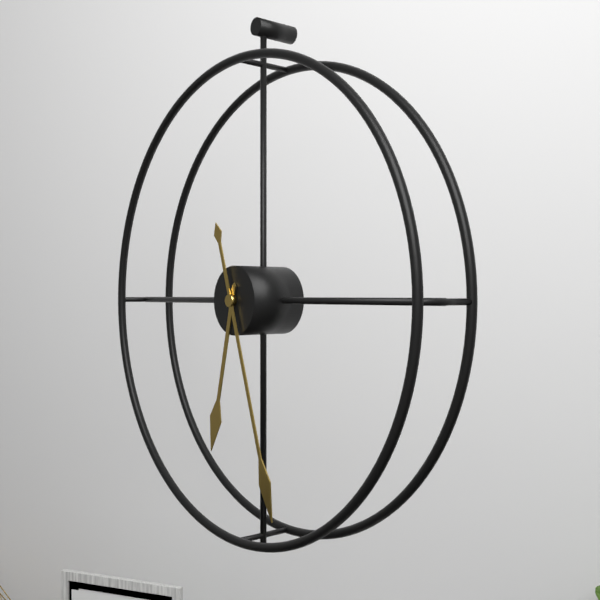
6:27
